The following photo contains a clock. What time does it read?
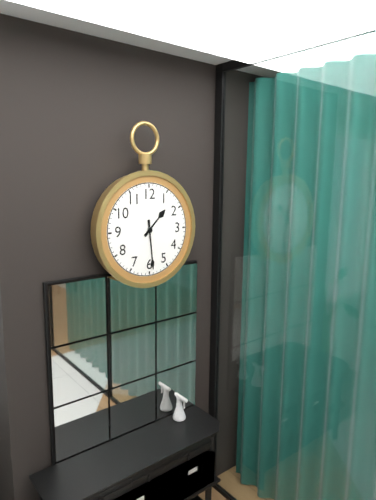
1:29
